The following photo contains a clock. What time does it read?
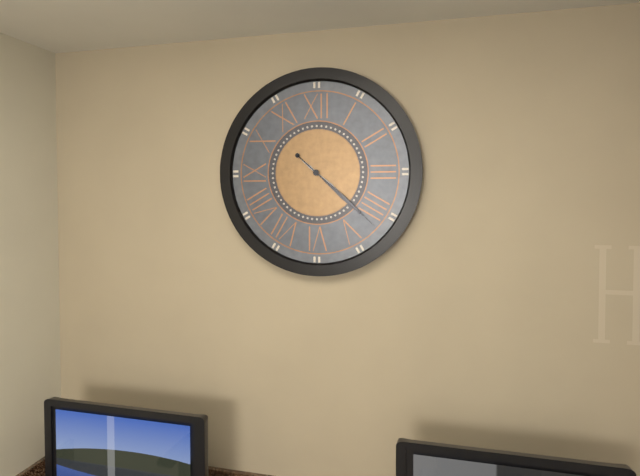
4:22
